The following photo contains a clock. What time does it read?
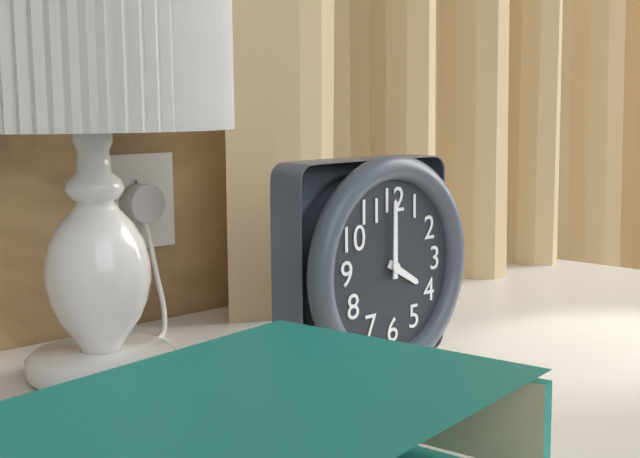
4:00
